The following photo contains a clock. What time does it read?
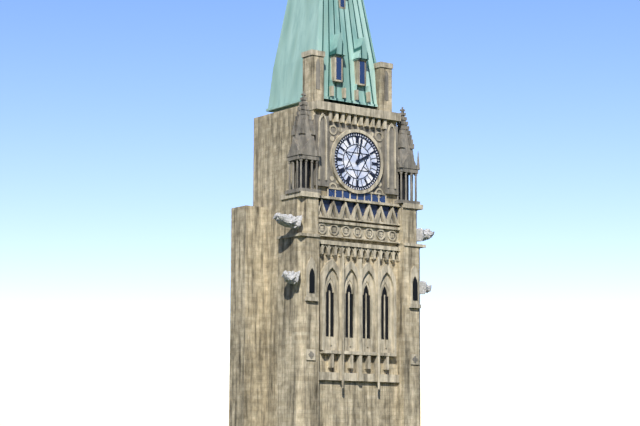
2:02
